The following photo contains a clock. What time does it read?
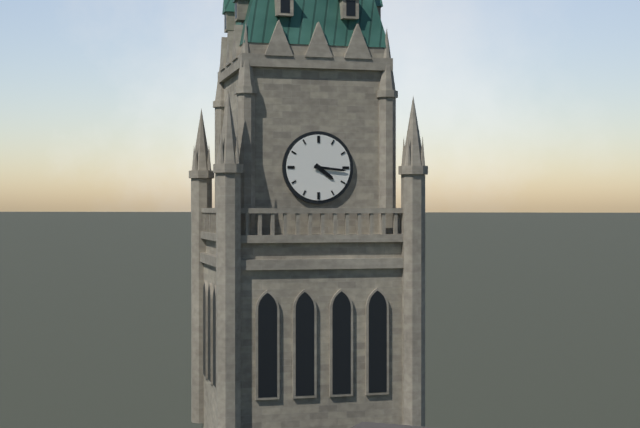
4:16
